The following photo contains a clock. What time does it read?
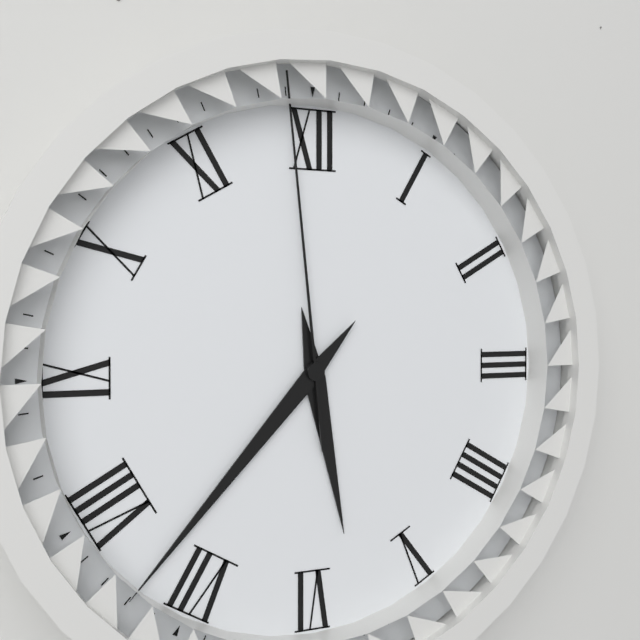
5:37:59
